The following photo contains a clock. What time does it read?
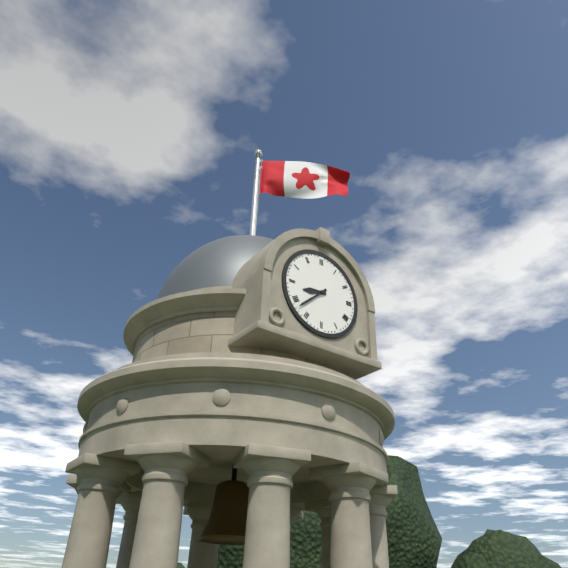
8:38
